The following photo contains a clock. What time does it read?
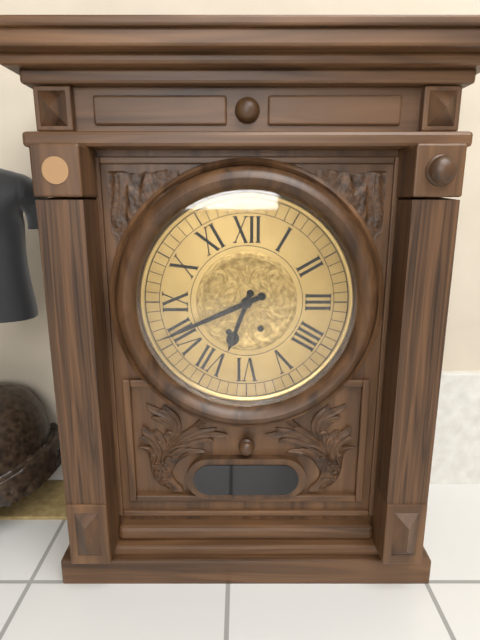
6:41
